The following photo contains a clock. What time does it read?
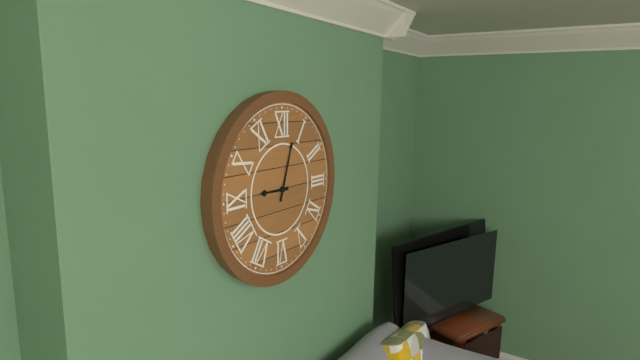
9:03
